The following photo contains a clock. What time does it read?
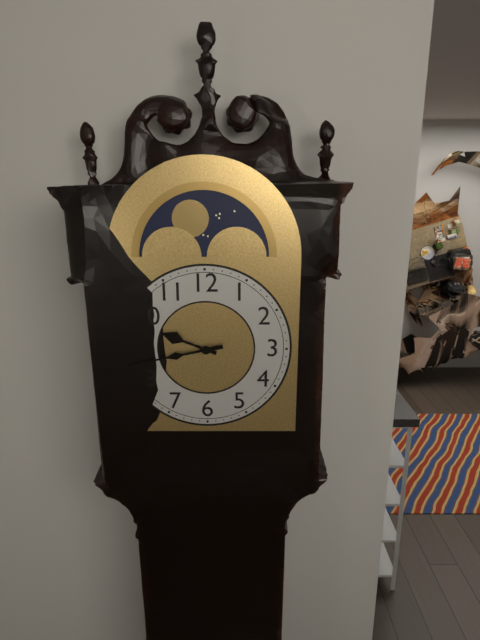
9:43
